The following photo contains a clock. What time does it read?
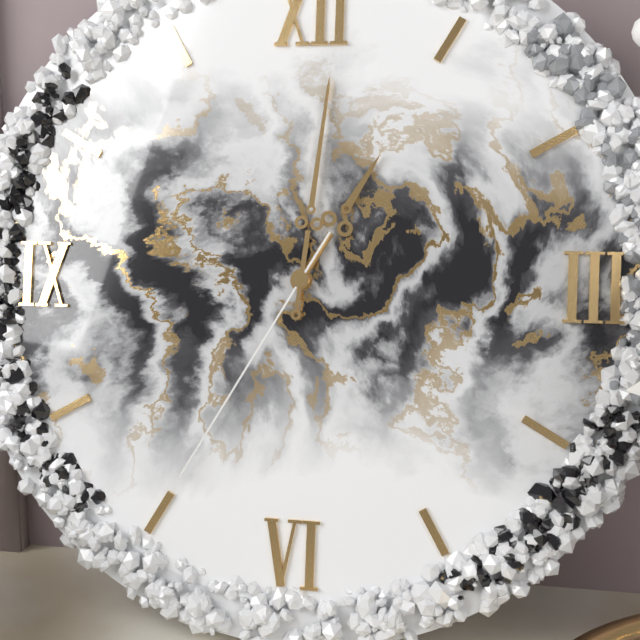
1:01:35
